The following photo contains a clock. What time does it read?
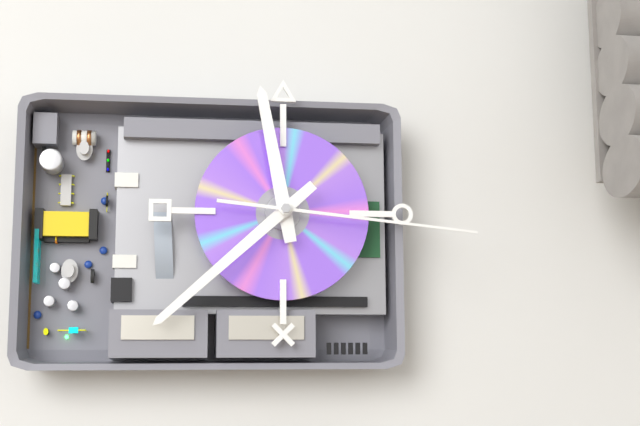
11:38:16
